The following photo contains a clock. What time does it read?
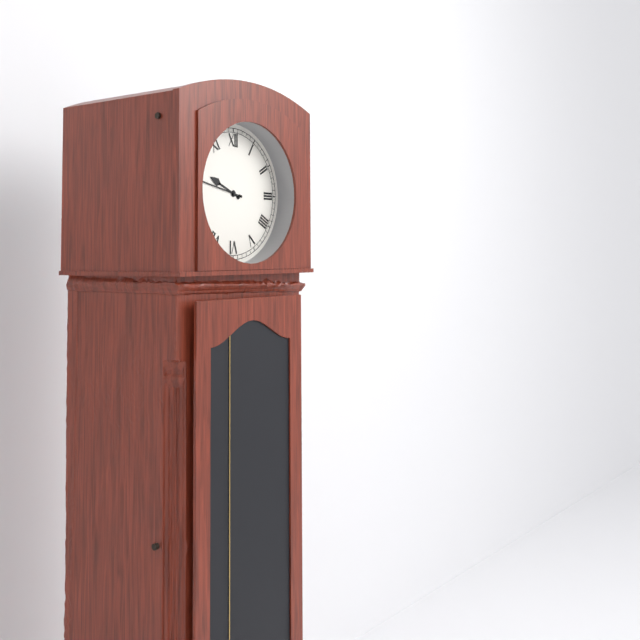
9:47
